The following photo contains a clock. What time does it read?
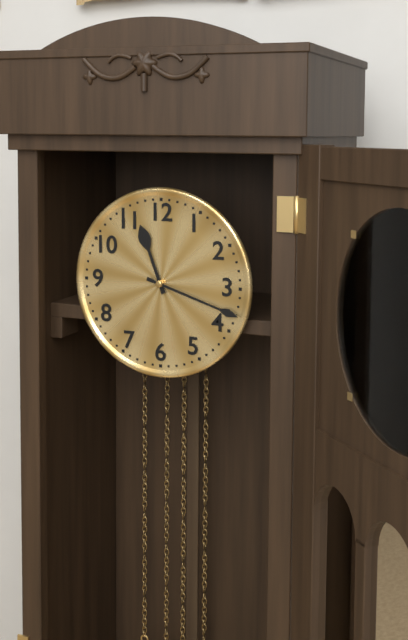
11:18
